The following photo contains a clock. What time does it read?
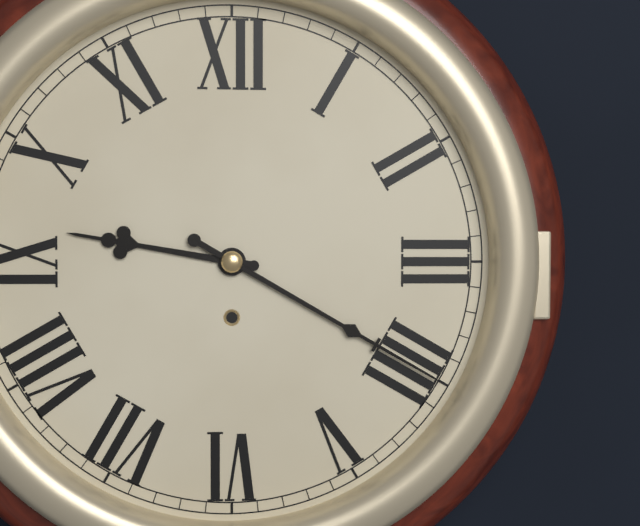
9:20
